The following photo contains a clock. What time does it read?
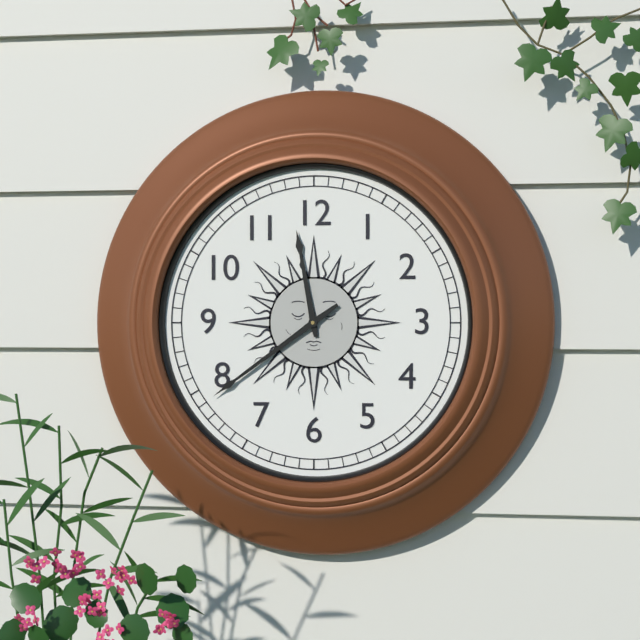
11:39
